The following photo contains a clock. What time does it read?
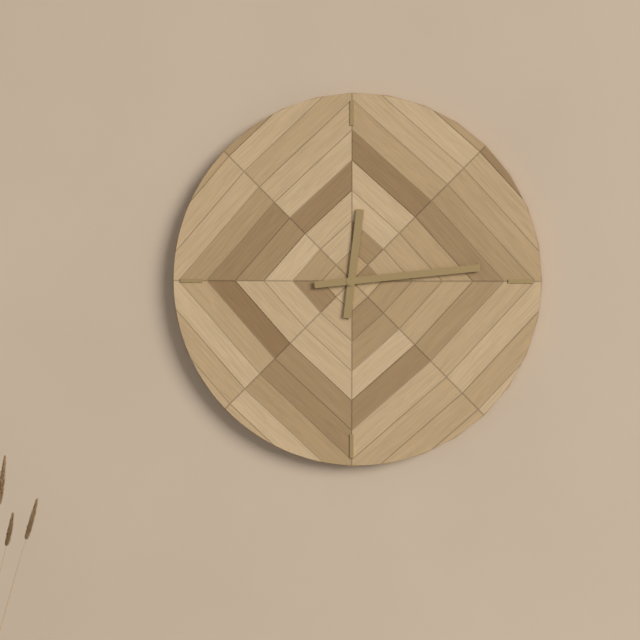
12:14
